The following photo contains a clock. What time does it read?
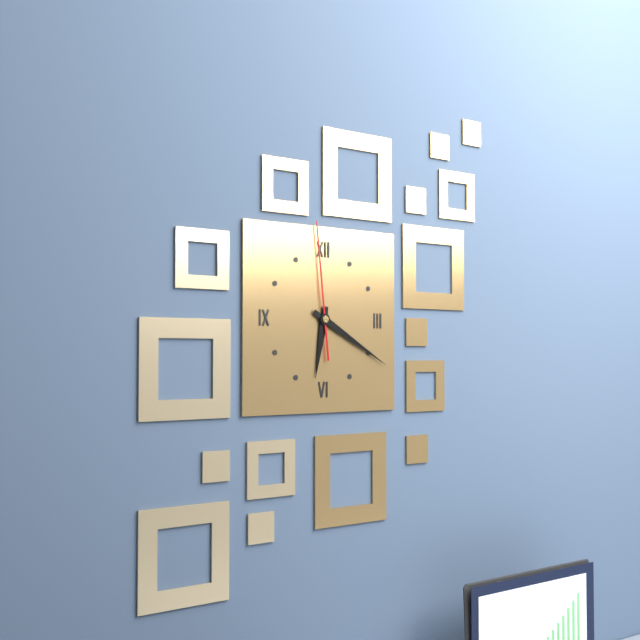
6:20:59
